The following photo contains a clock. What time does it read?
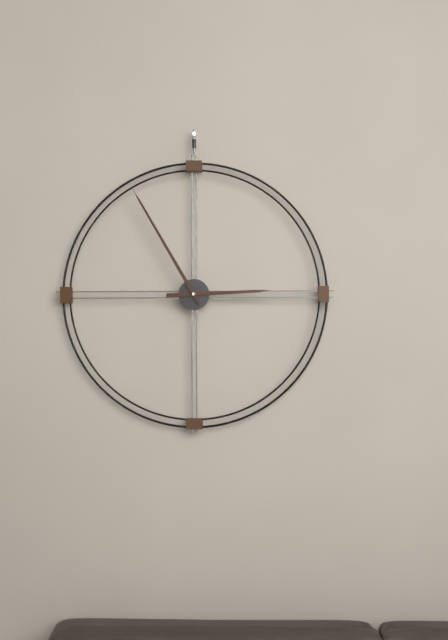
2:55
